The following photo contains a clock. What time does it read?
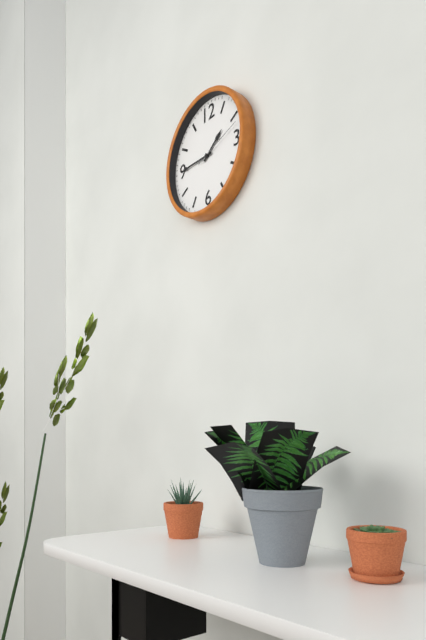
1:45:12
